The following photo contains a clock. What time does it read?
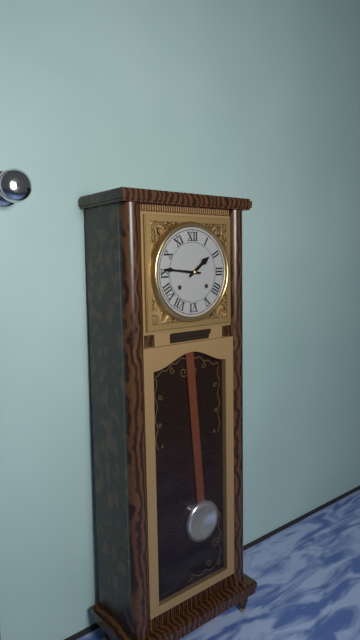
1:46
